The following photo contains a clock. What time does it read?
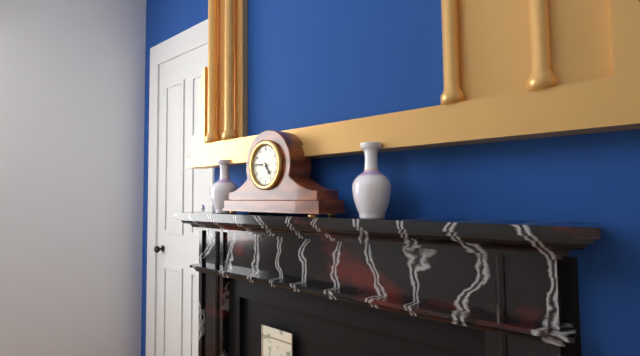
4:46
